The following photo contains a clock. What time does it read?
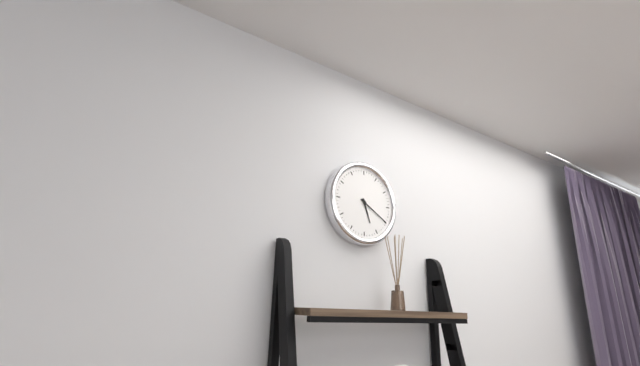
5:20
